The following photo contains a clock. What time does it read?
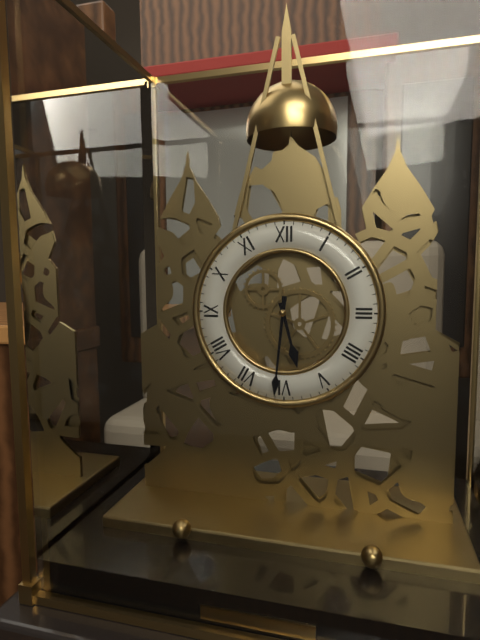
5:31
